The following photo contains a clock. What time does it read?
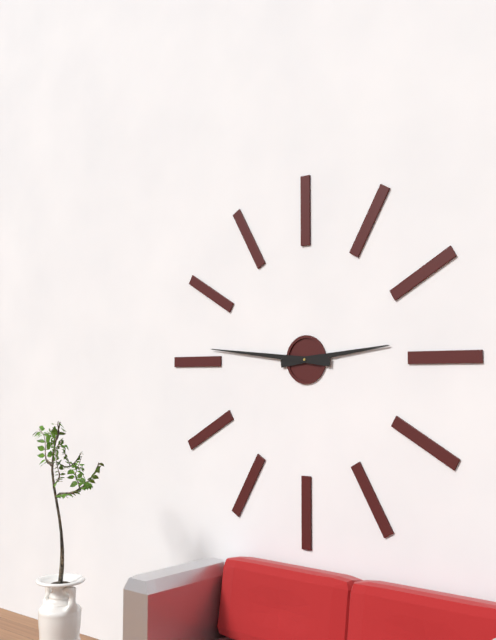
2:46
